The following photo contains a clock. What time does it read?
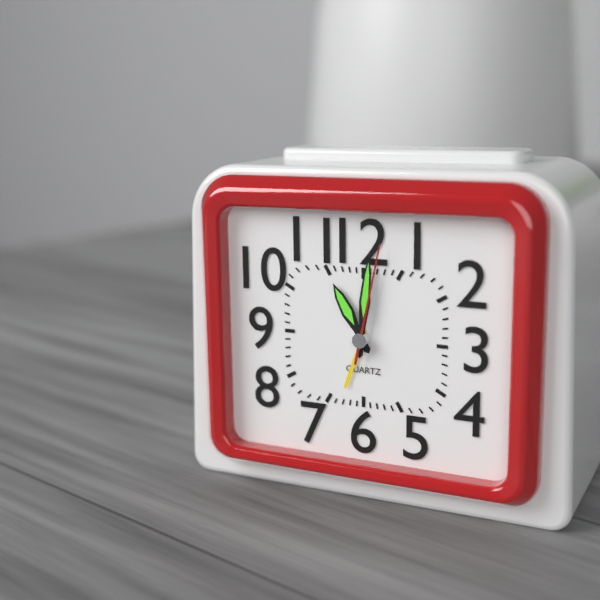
11:01:02
